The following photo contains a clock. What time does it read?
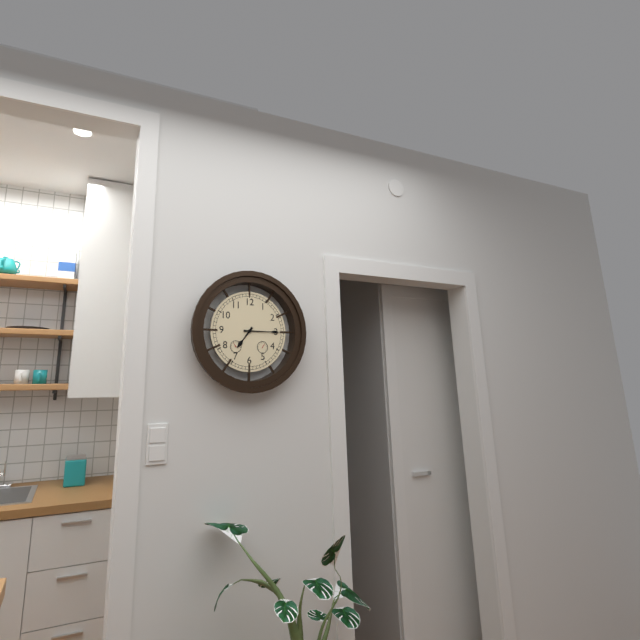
7:15
